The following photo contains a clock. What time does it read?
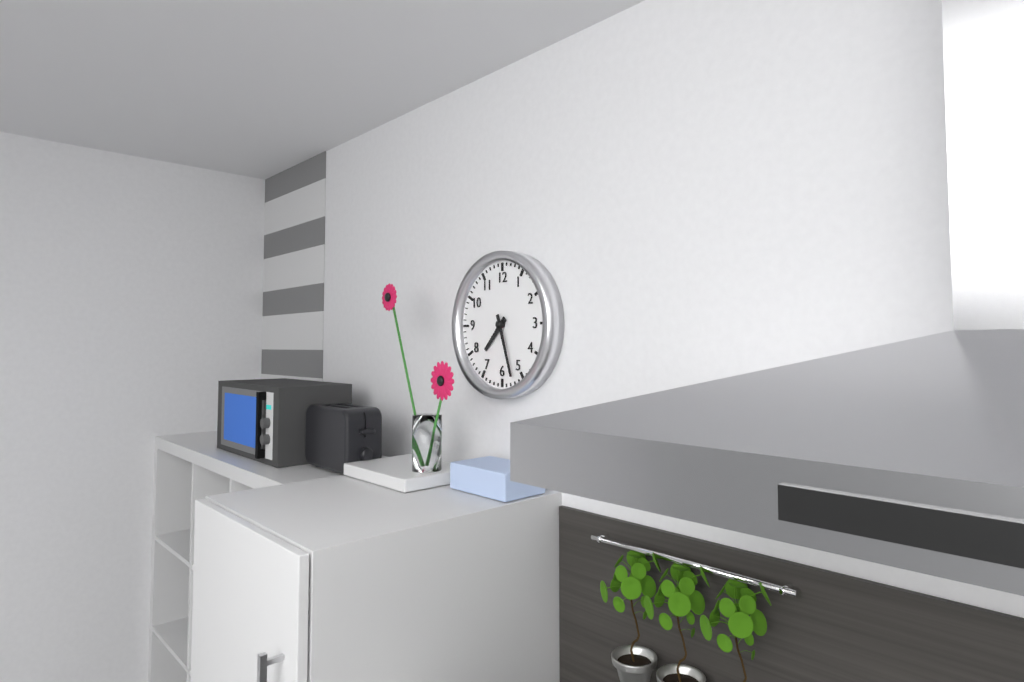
7:27
